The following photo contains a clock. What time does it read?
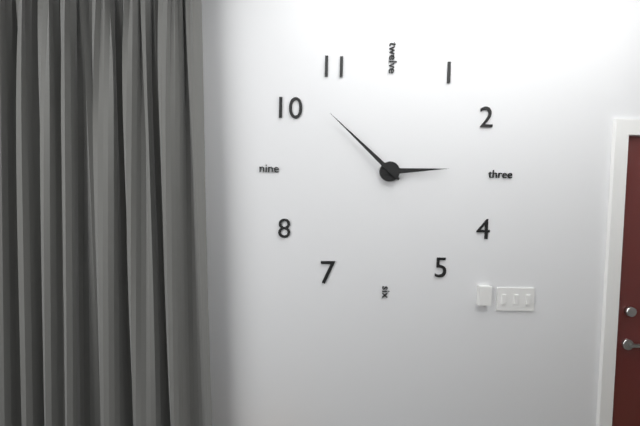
2:52
